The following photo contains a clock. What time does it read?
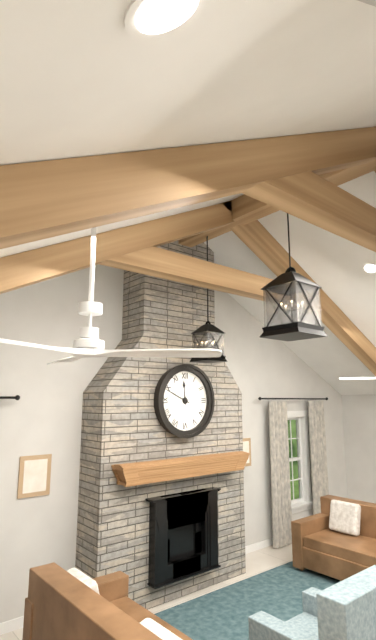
11:49
